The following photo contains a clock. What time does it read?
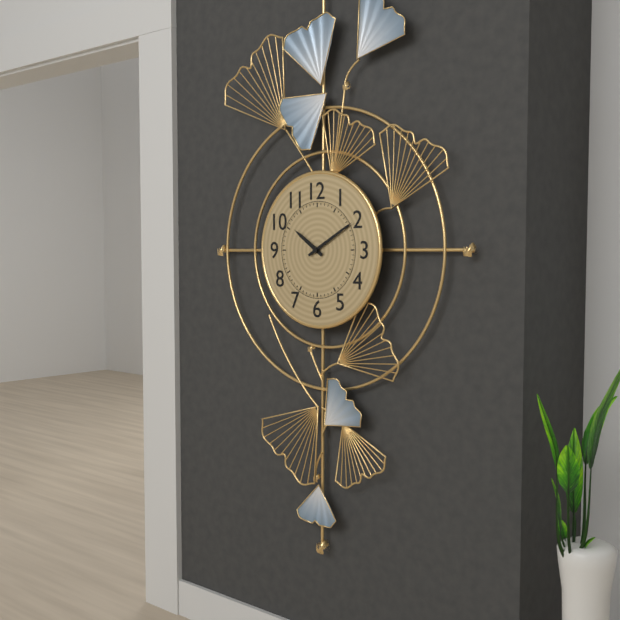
10:10
